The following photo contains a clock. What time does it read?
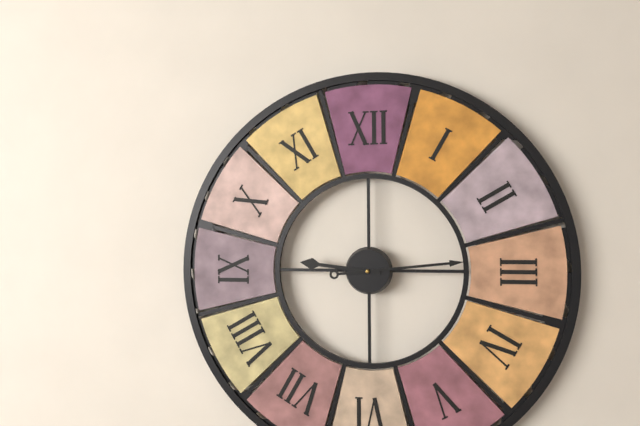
9:14
